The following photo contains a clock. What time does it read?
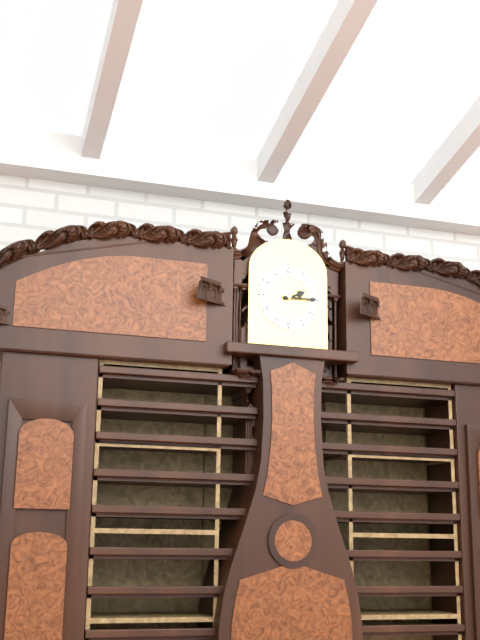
2:15
